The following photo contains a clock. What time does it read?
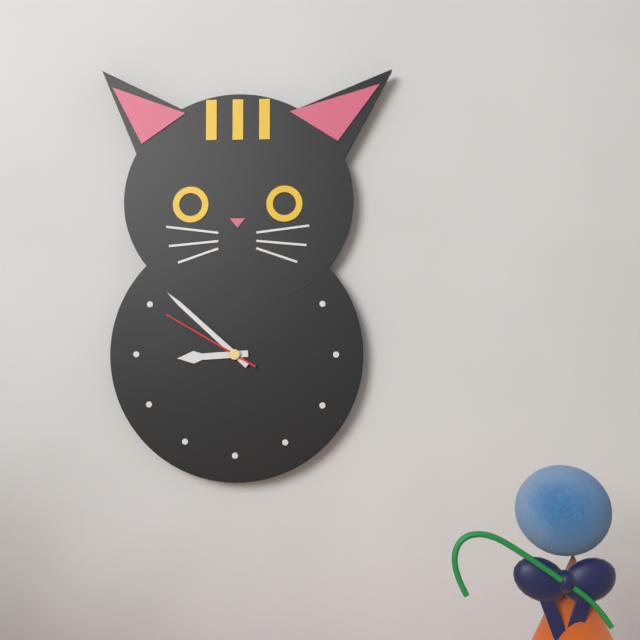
8:52:50
